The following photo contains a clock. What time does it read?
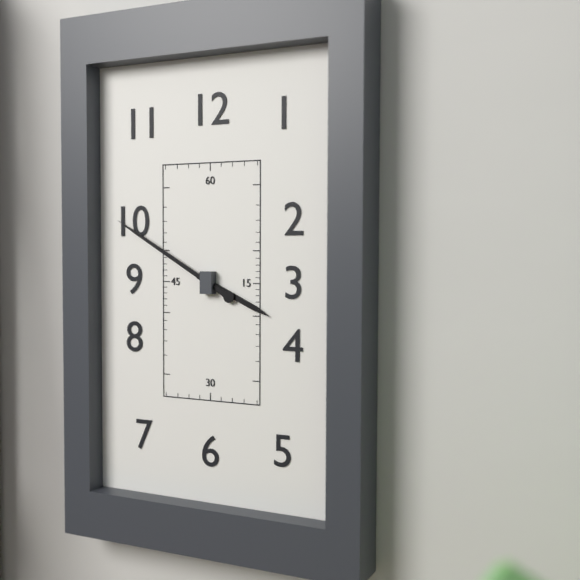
3:50
